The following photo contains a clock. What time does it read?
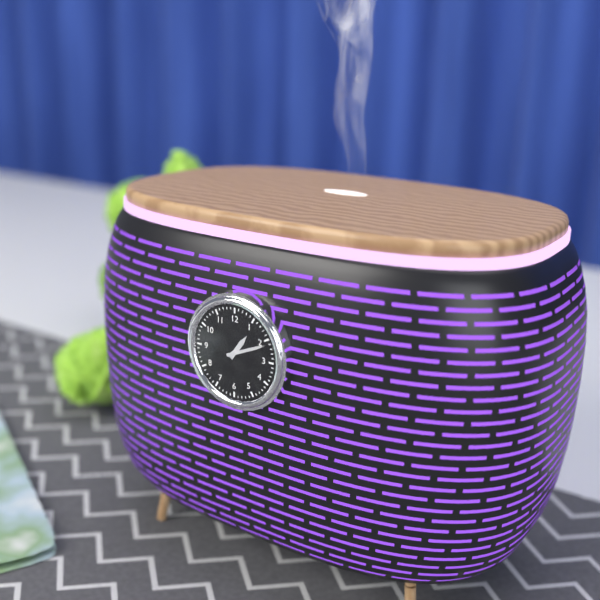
1:11
